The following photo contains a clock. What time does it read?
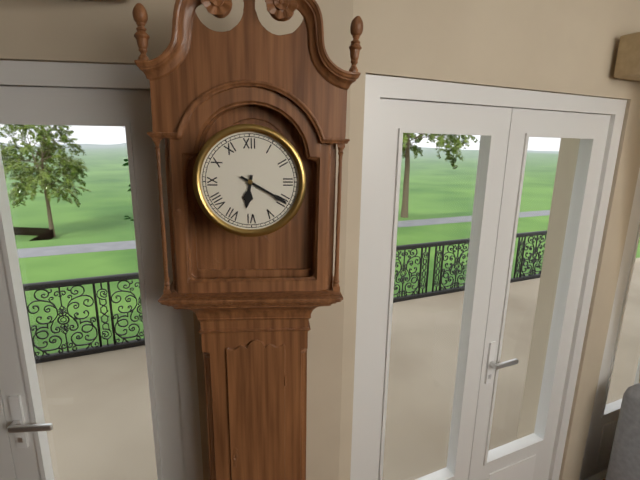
6:20
